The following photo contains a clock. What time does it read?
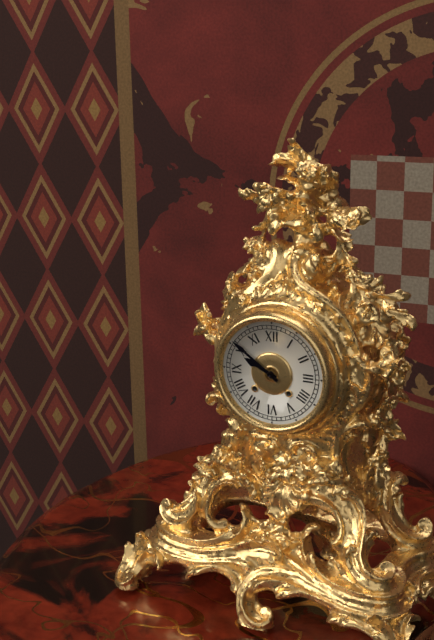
9:51
